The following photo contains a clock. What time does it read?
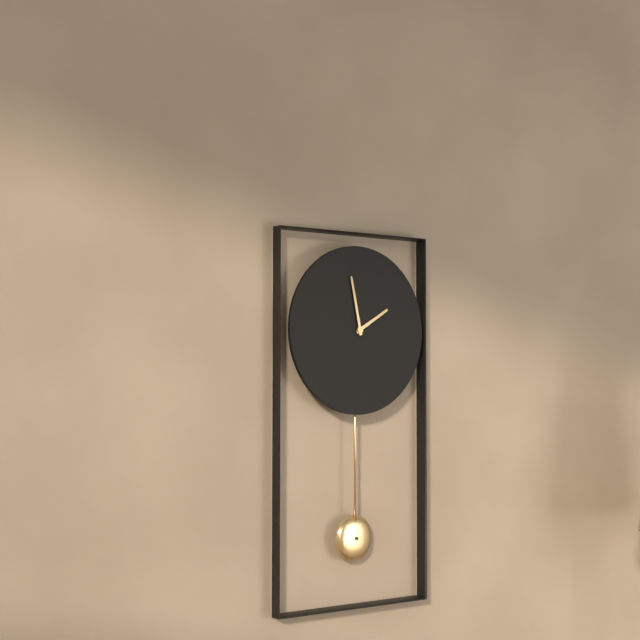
1:58
